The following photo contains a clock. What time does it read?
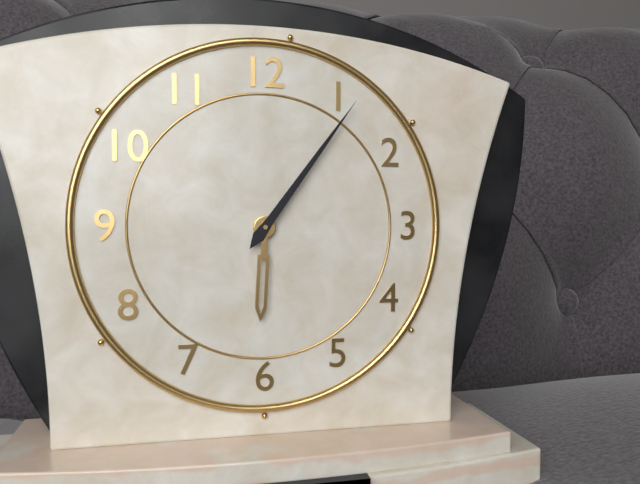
6:06
